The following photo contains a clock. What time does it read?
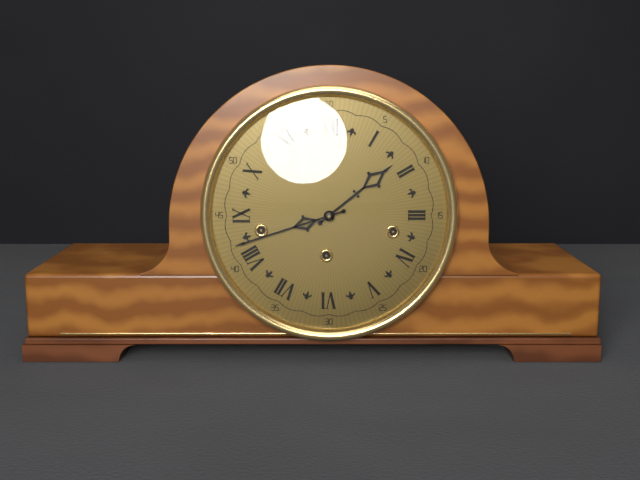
1:42
